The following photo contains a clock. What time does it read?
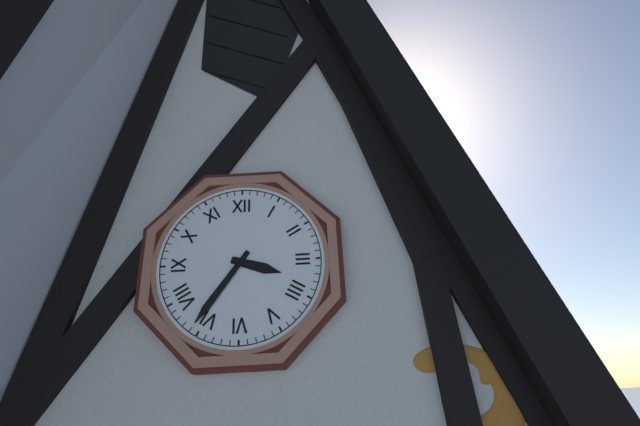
3:36
